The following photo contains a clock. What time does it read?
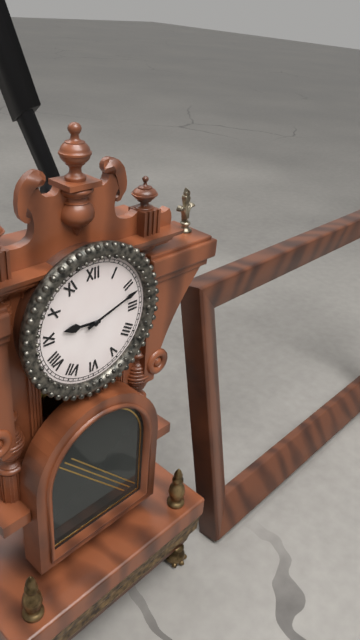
9:12
